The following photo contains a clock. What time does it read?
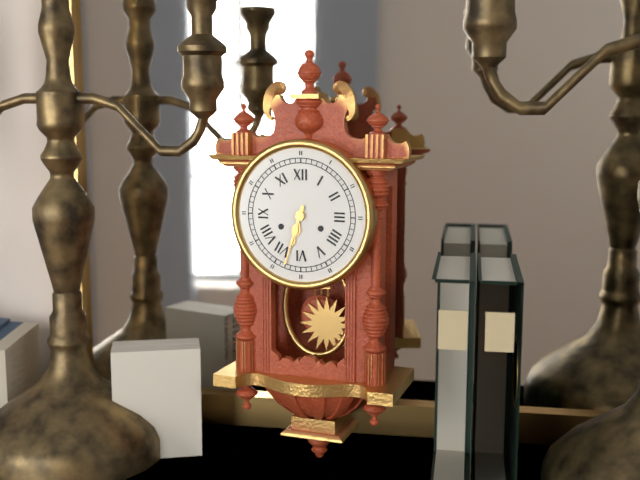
6:33
